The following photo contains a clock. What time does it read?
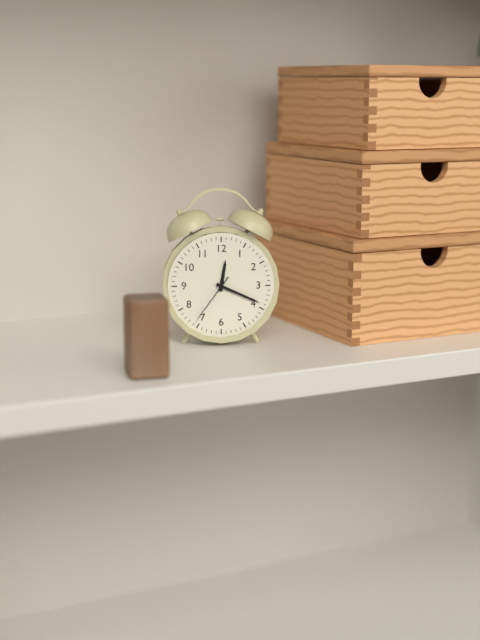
12:19:36
